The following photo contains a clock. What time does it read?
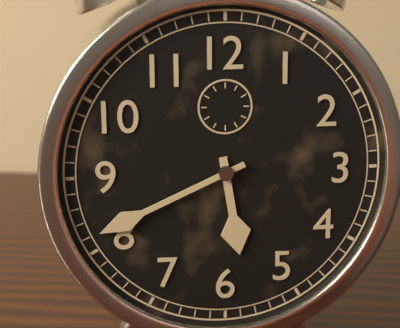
5:41
